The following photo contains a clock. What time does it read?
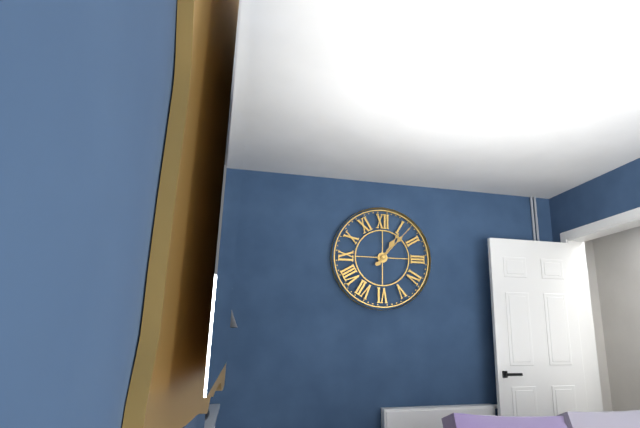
1:07
